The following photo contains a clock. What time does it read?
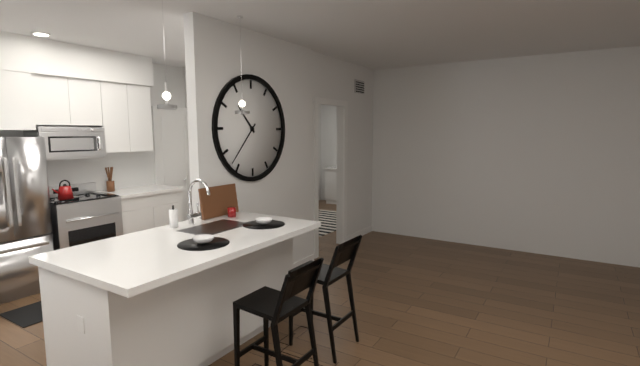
10:37
